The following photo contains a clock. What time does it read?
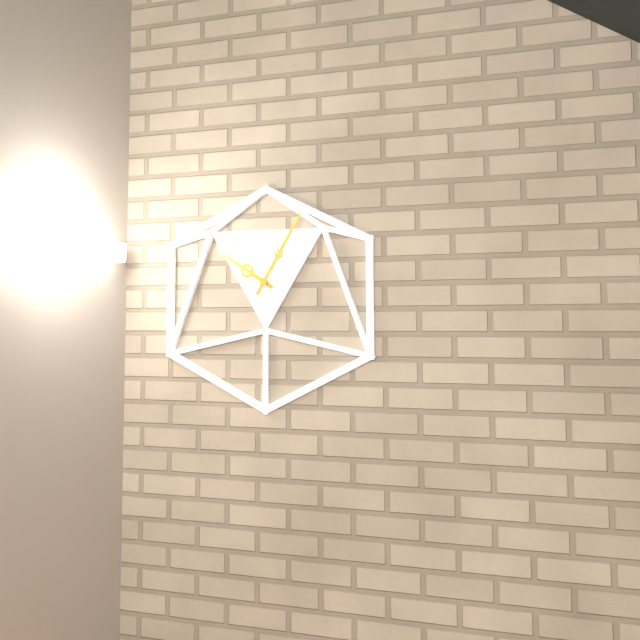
10:05
